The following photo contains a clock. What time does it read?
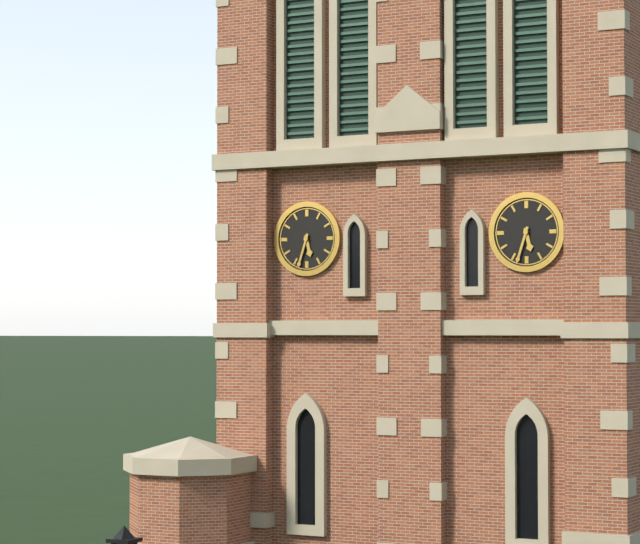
5:33
